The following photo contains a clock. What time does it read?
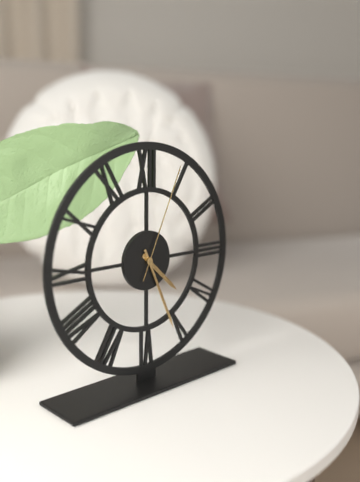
4:26:04
